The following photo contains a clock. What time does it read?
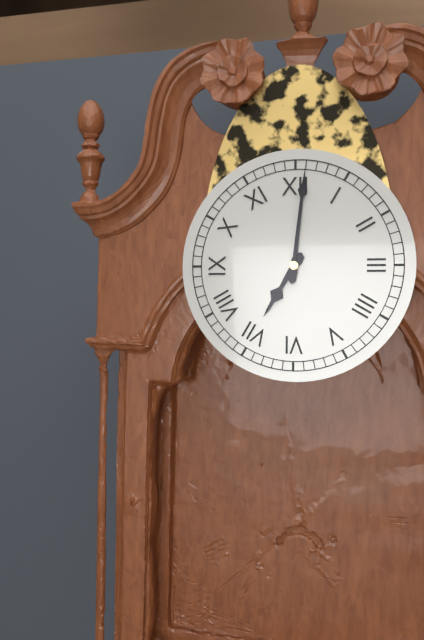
7:01
